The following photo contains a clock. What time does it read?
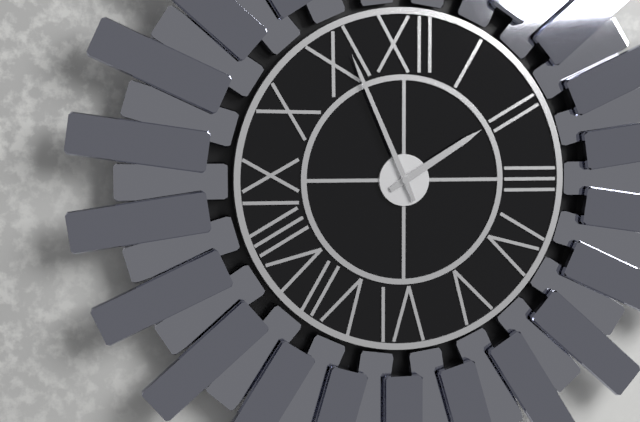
1:56
